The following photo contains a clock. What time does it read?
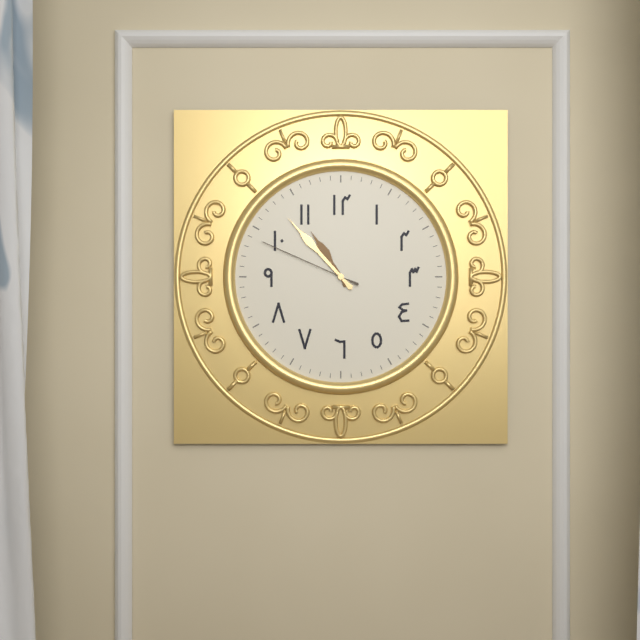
10:53:49
